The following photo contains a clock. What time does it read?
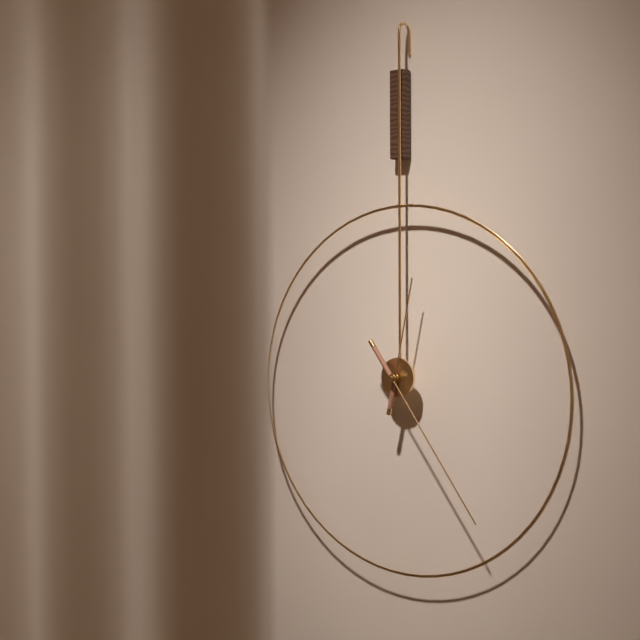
12:24
